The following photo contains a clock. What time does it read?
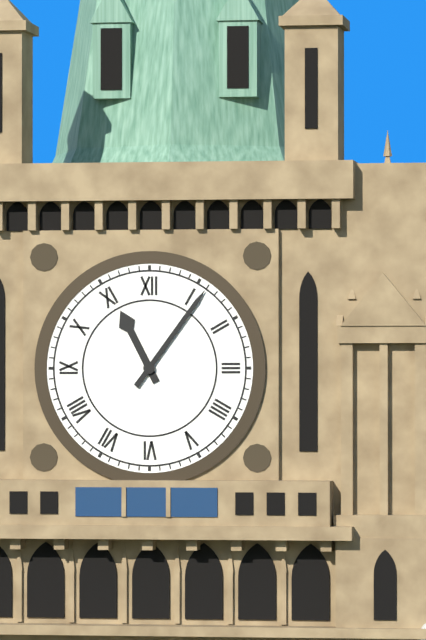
11:06
